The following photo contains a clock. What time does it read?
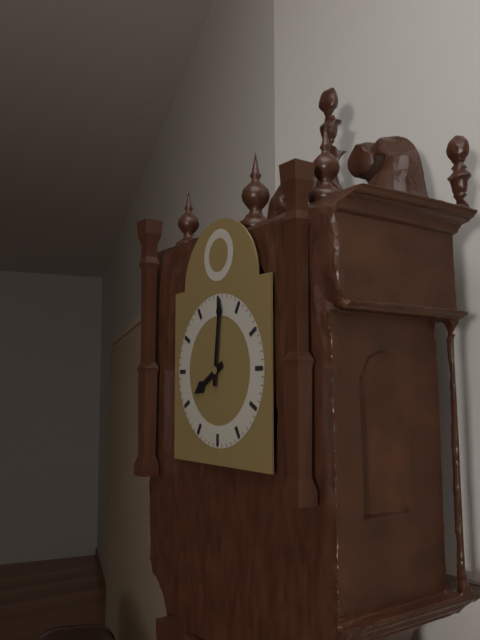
8:01
